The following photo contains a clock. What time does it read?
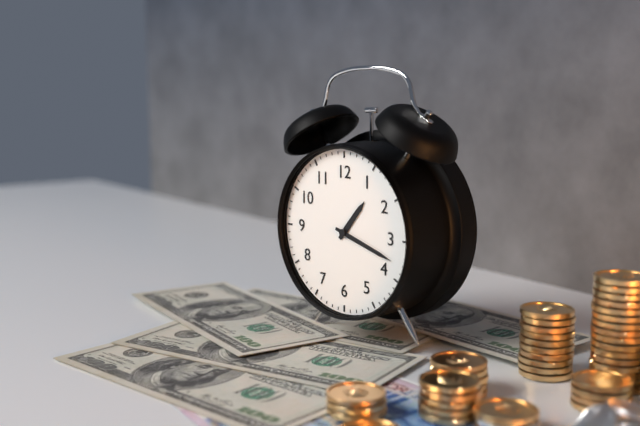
1:18
